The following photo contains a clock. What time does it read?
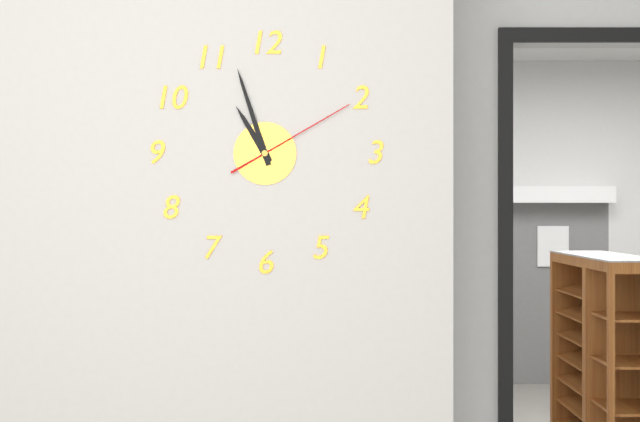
10:57:10
